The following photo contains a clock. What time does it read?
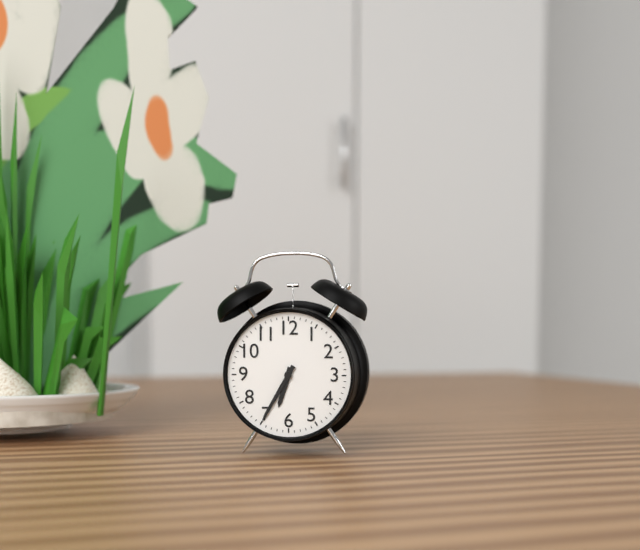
6:35
